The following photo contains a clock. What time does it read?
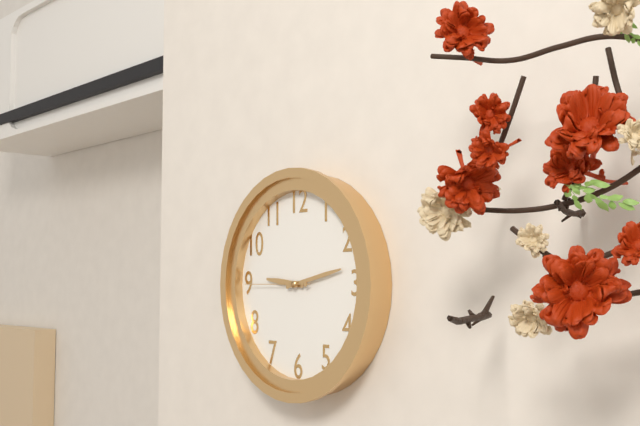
9:13:45
